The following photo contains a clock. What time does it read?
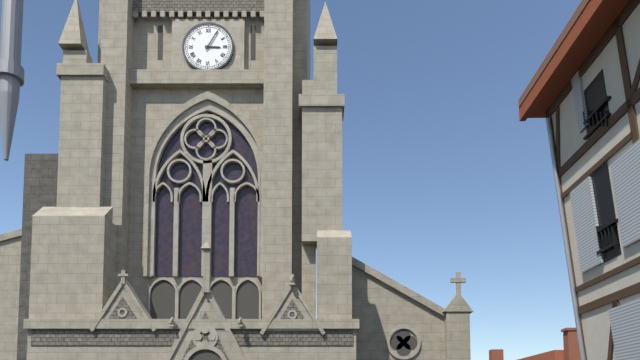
3:05
